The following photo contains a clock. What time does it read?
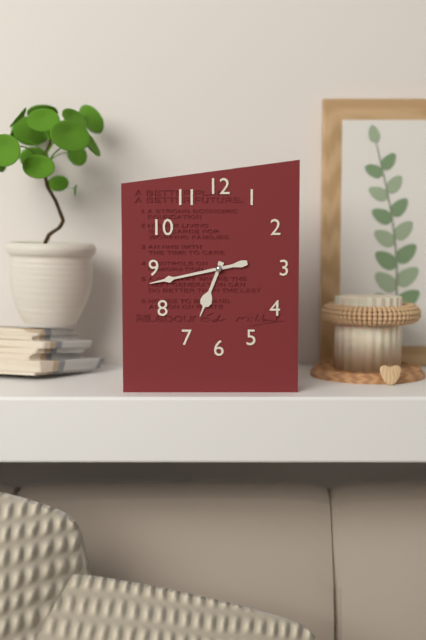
6:43
